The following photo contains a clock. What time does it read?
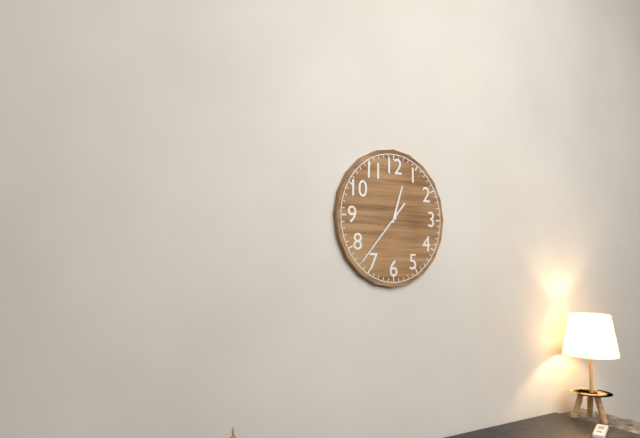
12:37
